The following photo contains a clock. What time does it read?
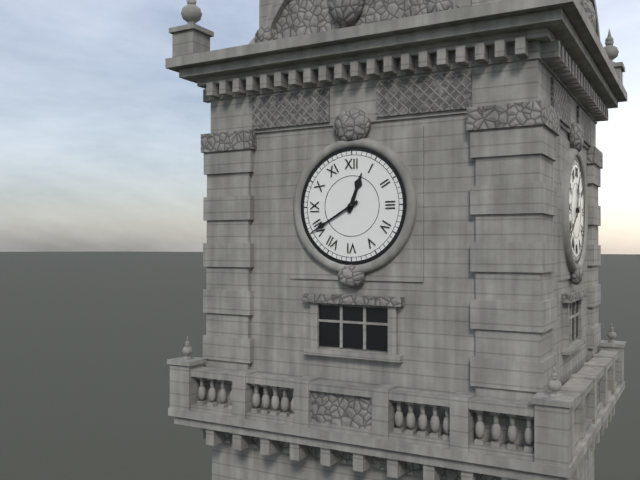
12:40
